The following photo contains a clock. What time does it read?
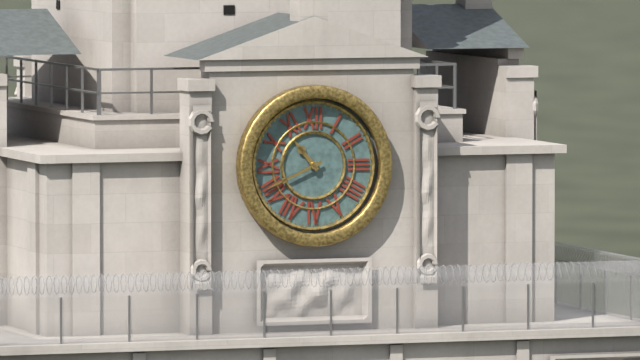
10:41
